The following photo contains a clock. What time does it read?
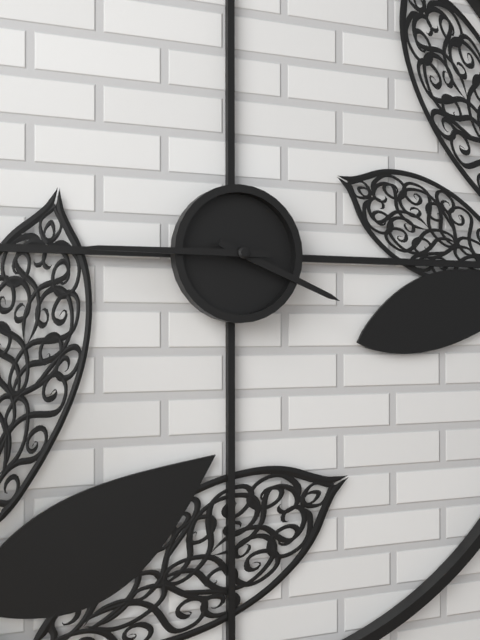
3:45
